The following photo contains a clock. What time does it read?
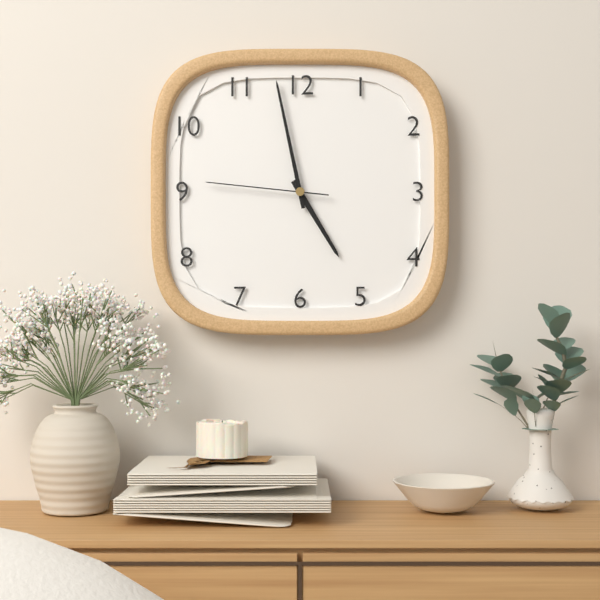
4:58:46
